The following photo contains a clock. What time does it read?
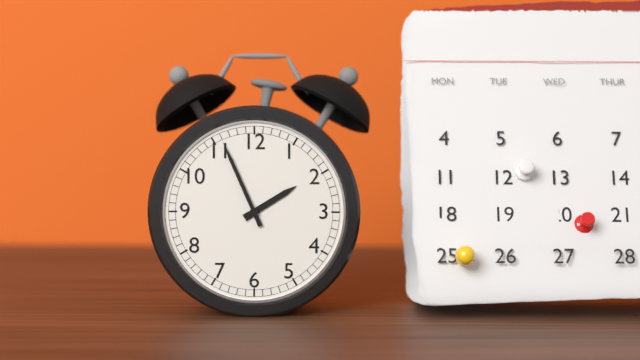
1:56
